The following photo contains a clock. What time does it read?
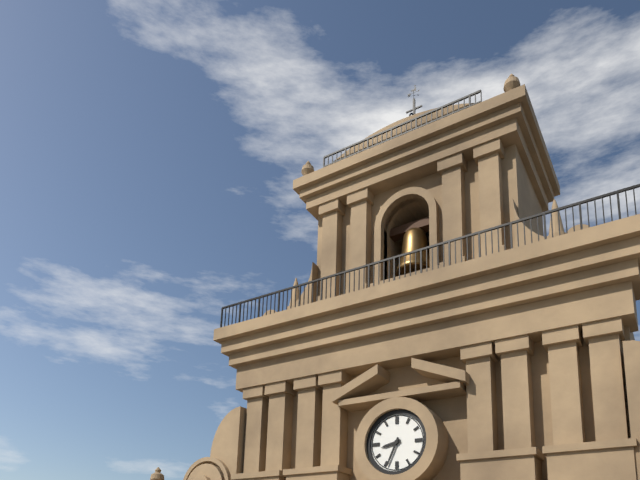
8:34
